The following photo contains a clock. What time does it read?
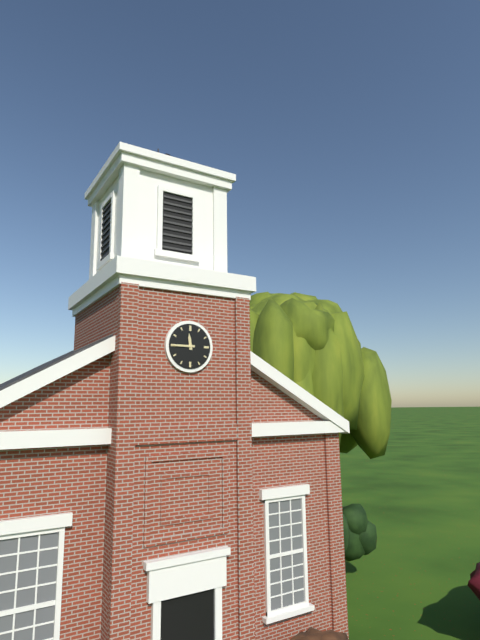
11:45
